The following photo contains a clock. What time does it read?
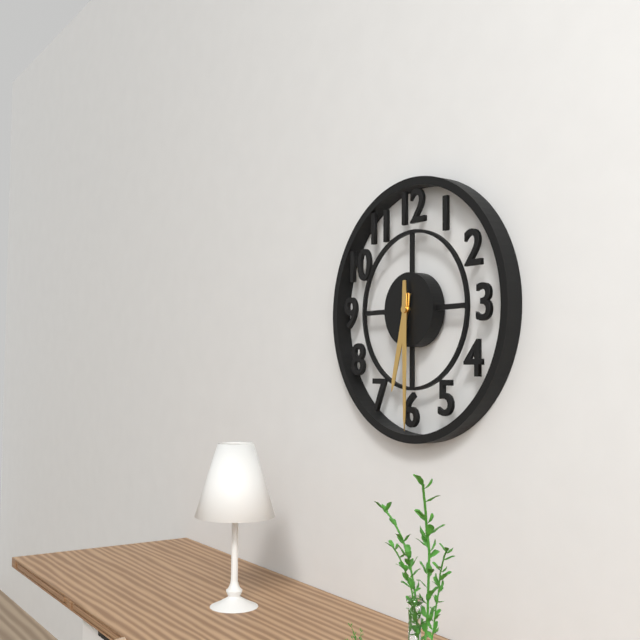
6:30
